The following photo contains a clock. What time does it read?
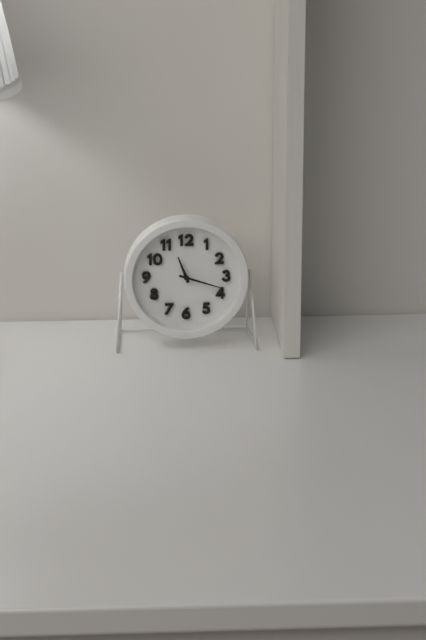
11:18
